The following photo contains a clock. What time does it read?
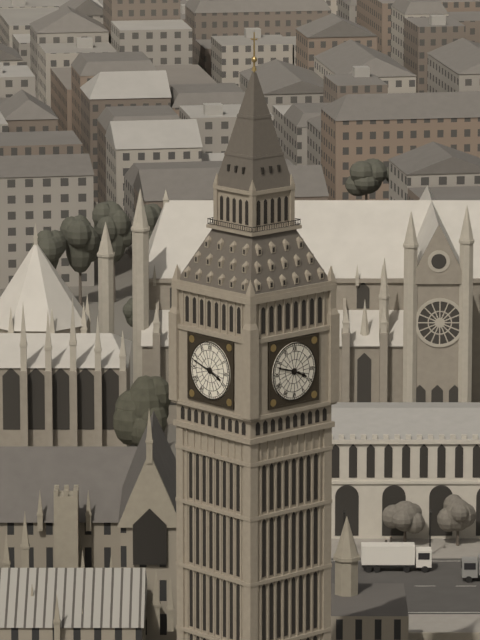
3:48
